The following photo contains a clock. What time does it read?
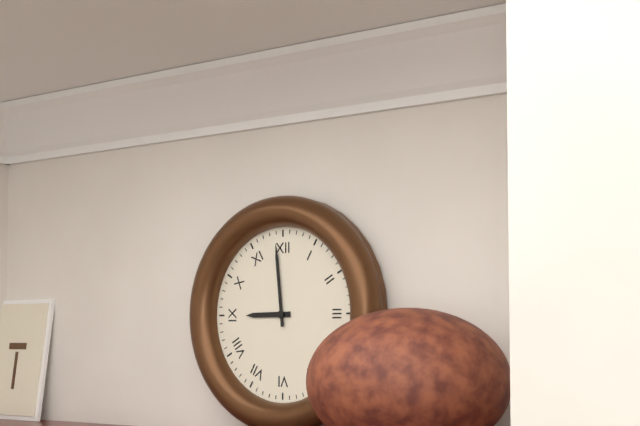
8:59
